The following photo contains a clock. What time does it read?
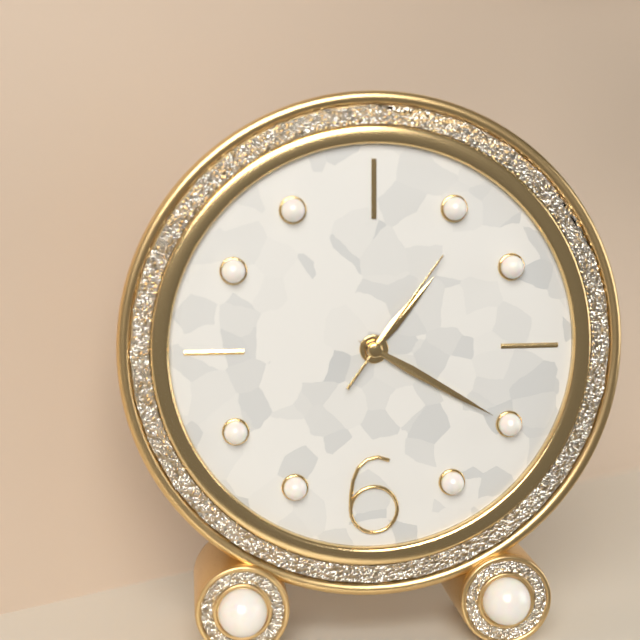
1:20:06
